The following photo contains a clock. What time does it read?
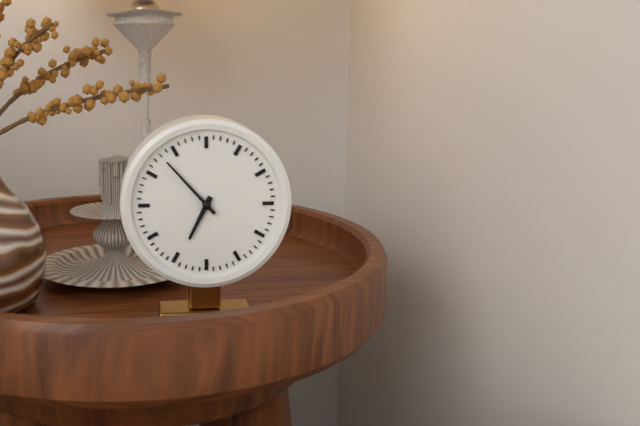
6:53
